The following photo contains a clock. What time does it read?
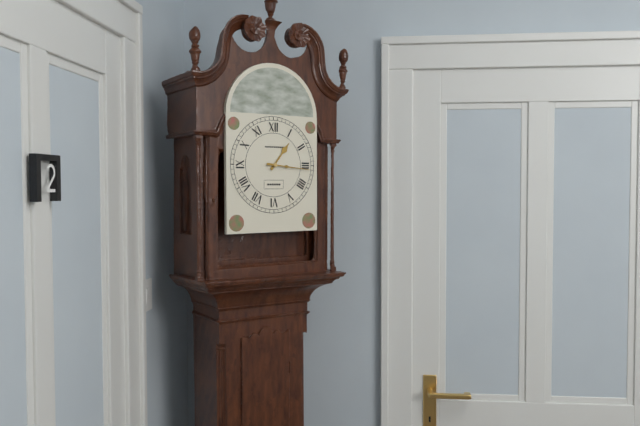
1:16
